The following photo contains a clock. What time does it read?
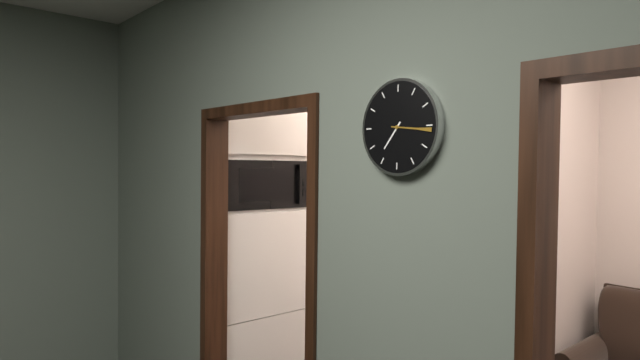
7:16
